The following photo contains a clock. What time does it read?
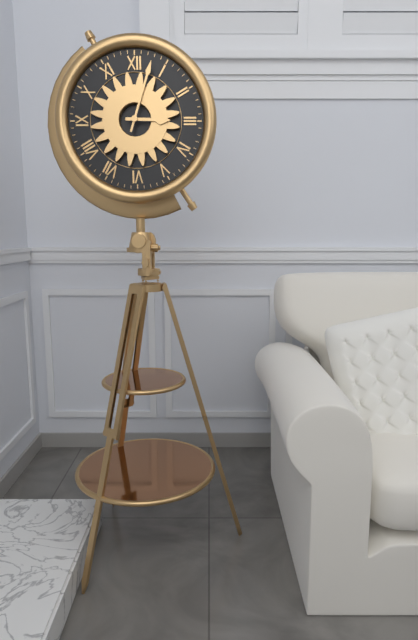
3:03
